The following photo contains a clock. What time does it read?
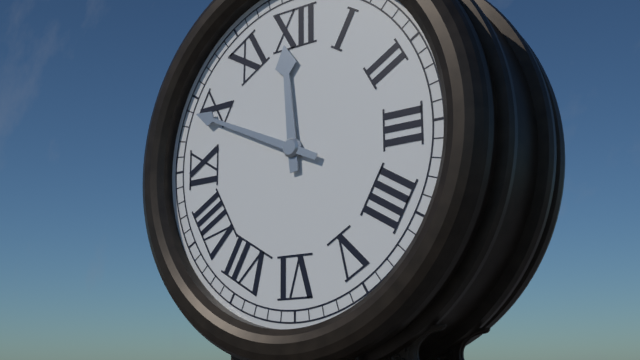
11:49
